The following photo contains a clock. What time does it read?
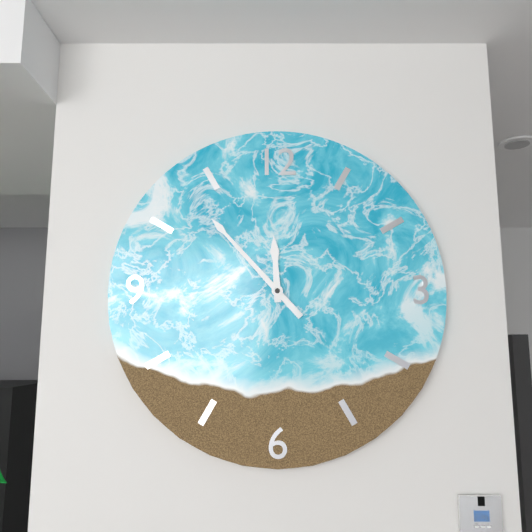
11:53
